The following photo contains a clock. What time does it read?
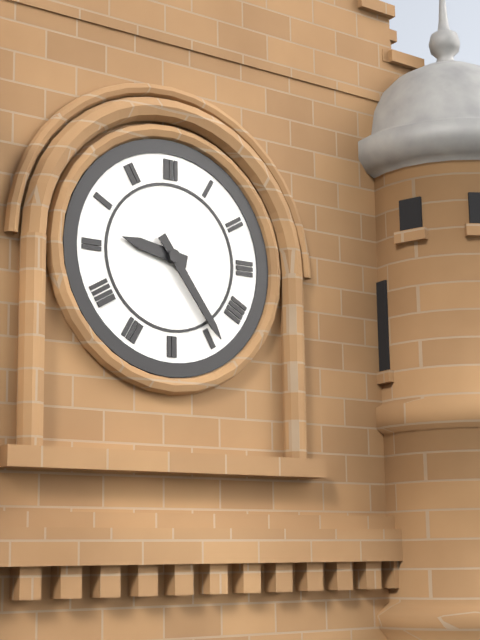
9:24
